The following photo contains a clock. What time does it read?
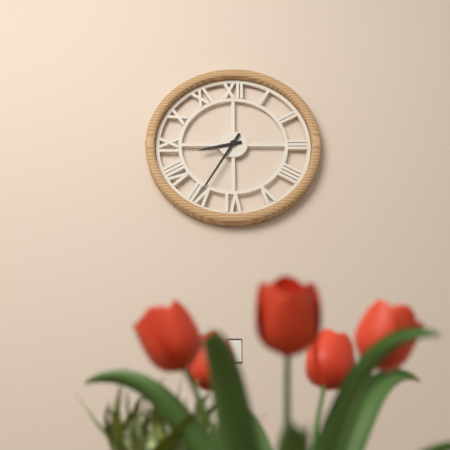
8:35
